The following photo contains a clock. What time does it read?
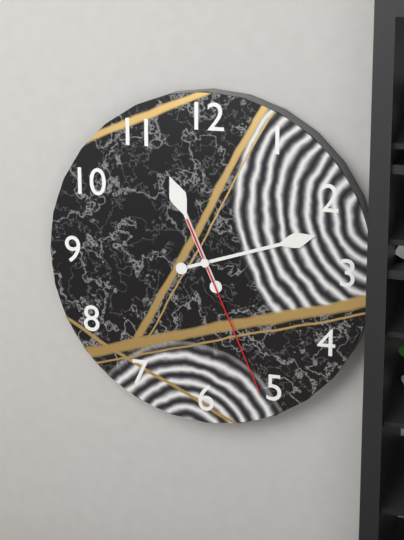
11:12:26
